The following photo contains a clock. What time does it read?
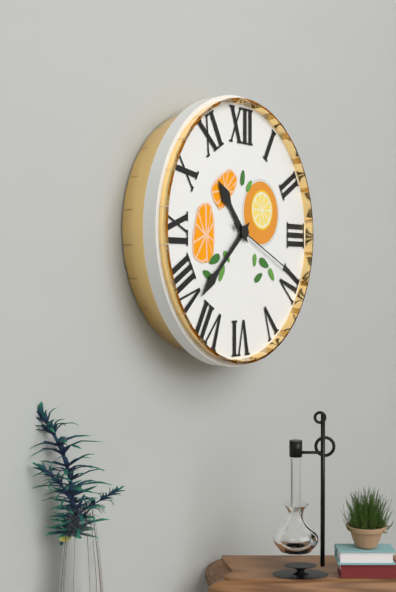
10:38:19
